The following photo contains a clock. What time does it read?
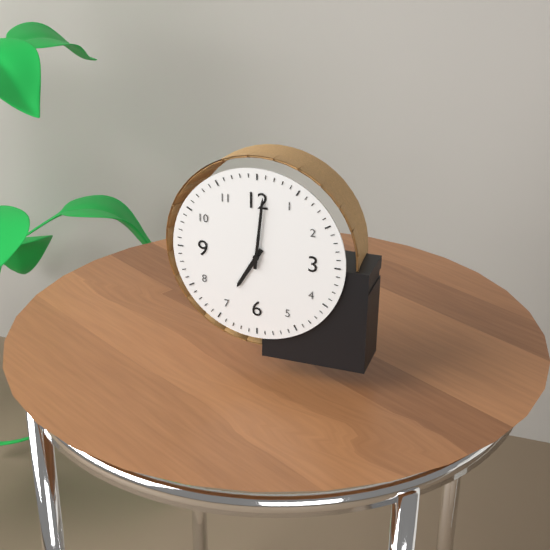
7:01
